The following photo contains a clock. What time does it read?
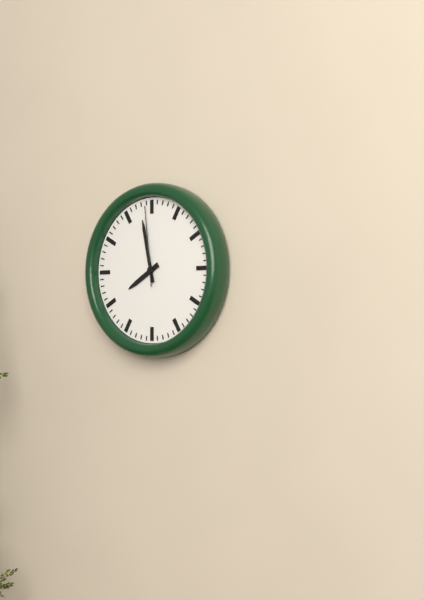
7:58:59
